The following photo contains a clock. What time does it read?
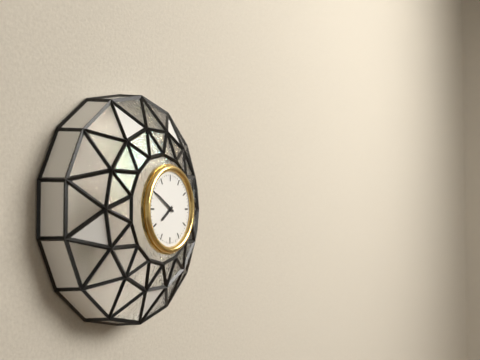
7:50
